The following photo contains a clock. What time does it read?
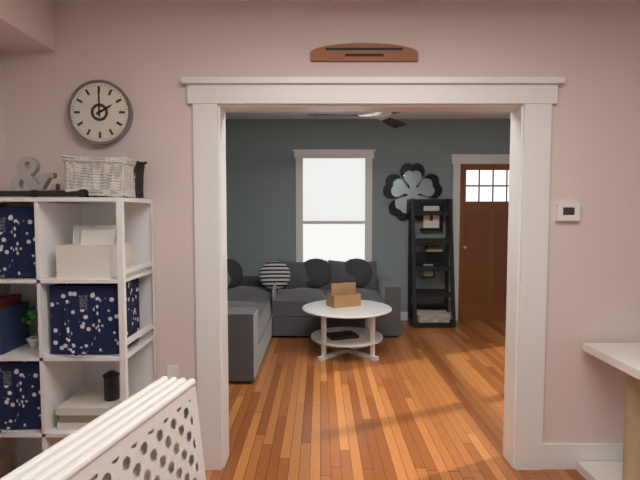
2:00
